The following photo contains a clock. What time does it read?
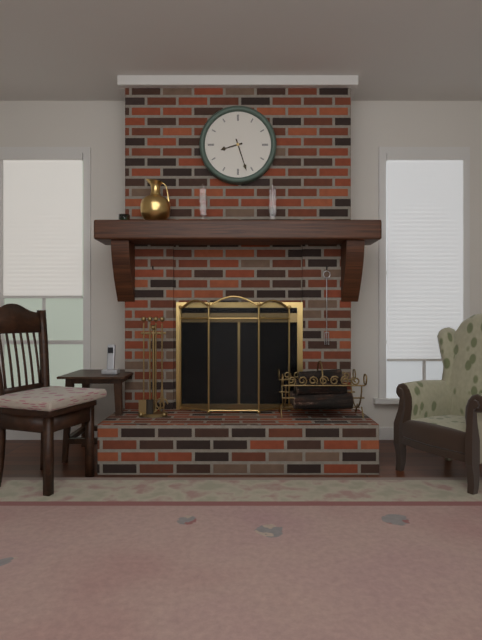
8:27
